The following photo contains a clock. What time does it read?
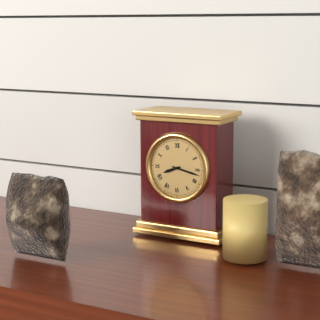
8:17
